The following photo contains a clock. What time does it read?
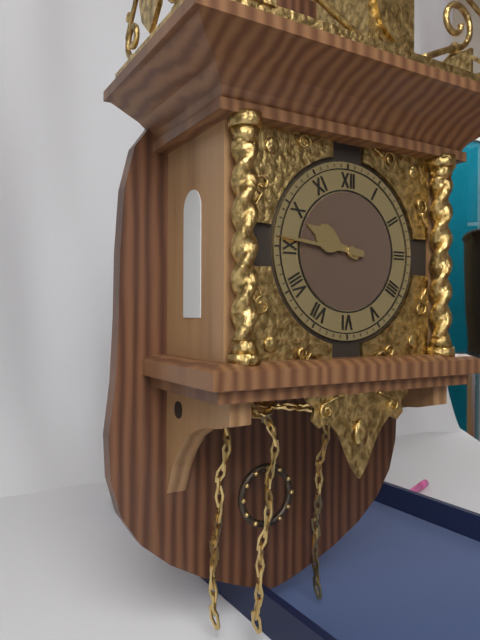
9:46
